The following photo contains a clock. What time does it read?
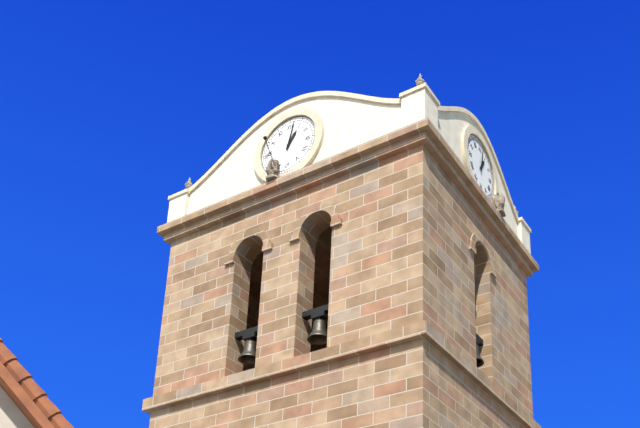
1:02
